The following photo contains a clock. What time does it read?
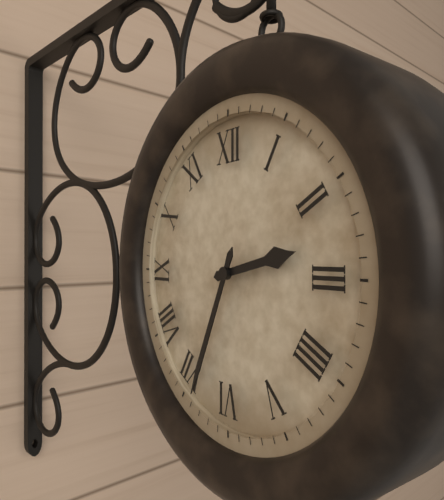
2:34
